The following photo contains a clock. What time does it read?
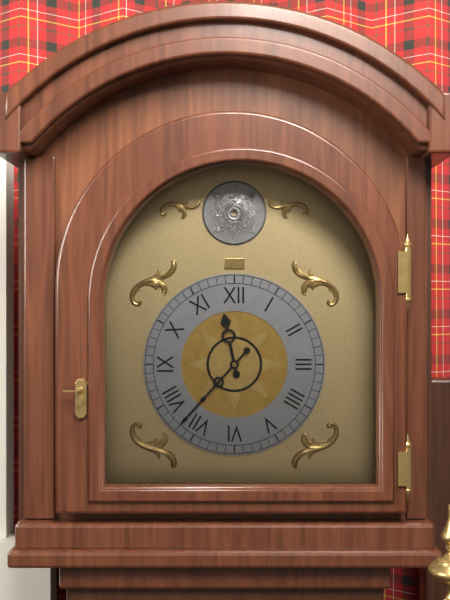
11:37
